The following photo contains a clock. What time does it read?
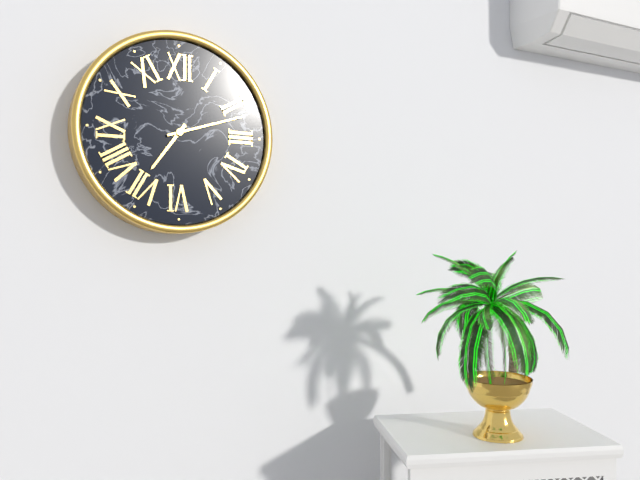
7:12
